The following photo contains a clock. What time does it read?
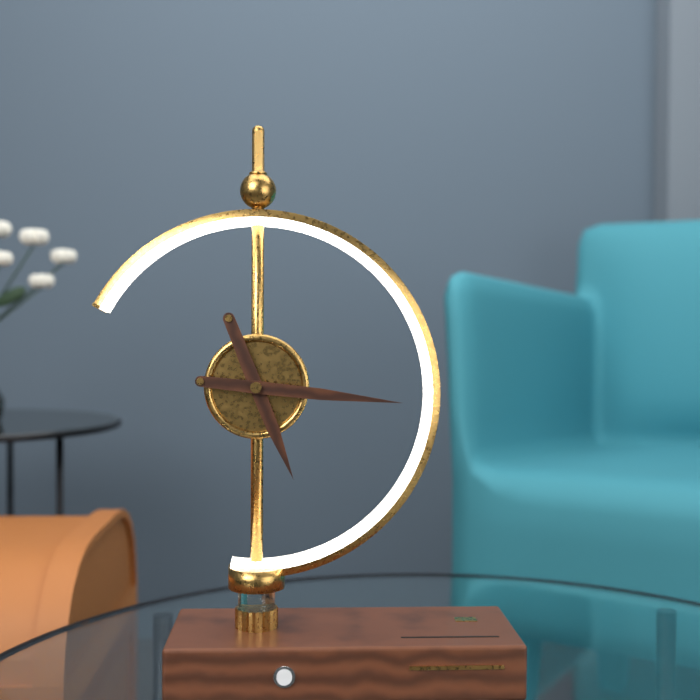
5:16
